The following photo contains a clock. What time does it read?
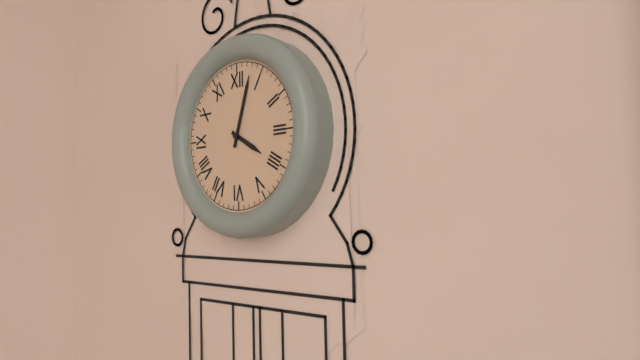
4:03
